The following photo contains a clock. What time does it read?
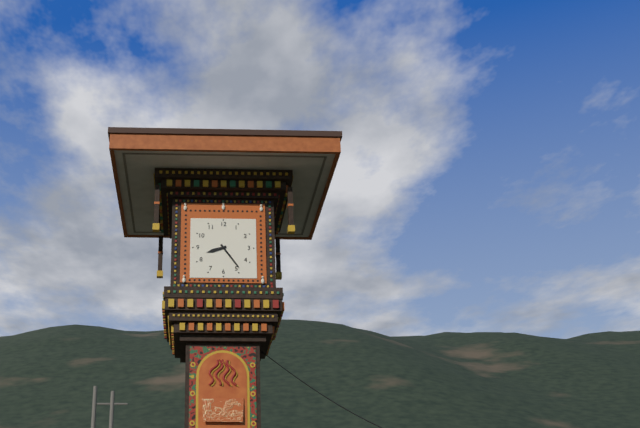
8:24
